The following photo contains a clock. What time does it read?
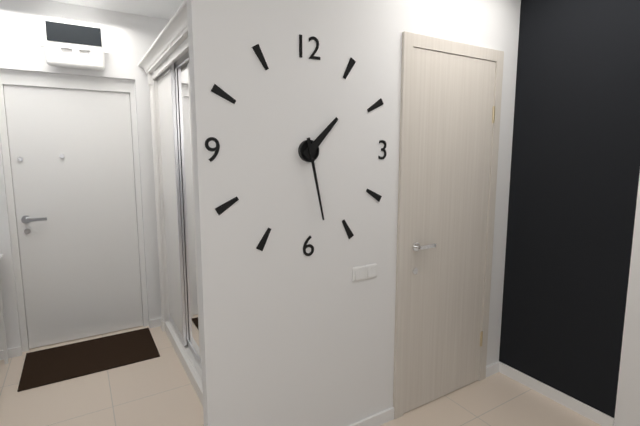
1:28
